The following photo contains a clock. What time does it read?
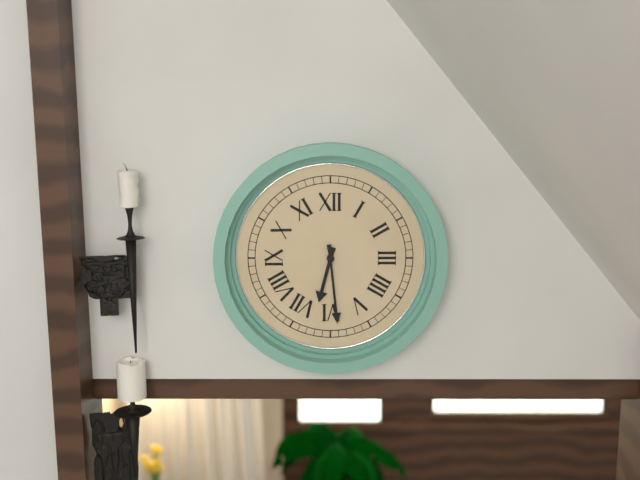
6:29
